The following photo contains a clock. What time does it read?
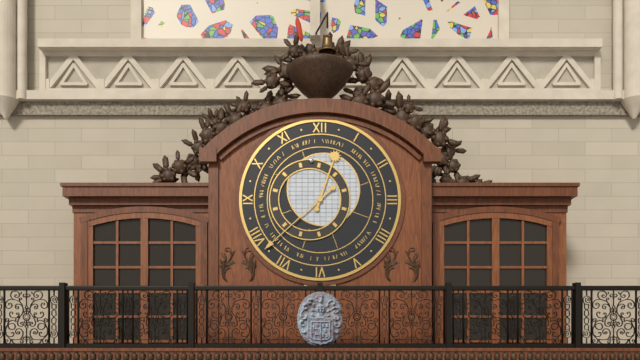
12:38
